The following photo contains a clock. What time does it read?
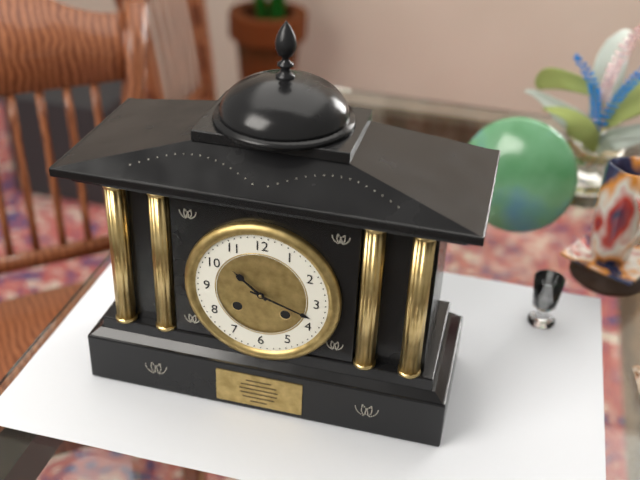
10:18
